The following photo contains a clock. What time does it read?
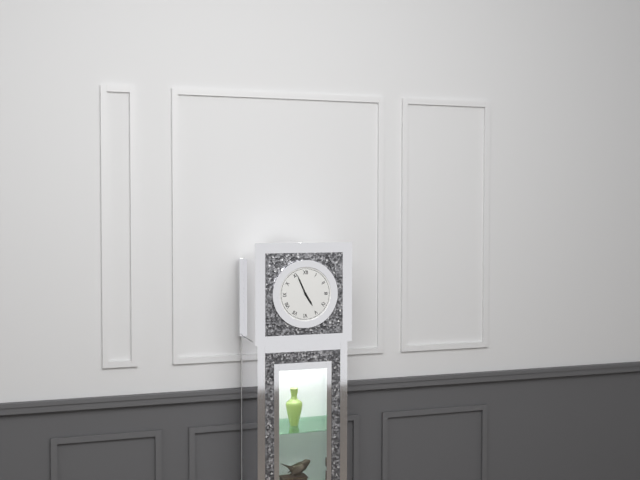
4:56
